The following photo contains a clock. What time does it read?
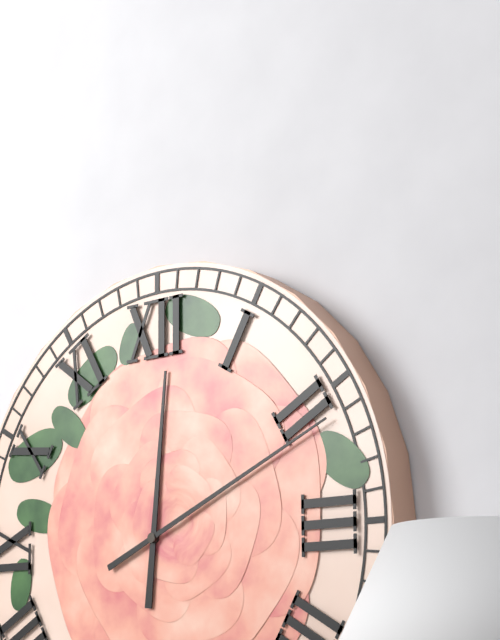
12:11
